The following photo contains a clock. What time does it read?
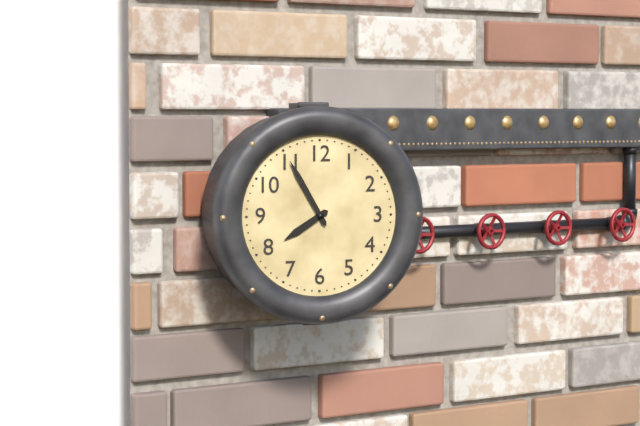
7:55
